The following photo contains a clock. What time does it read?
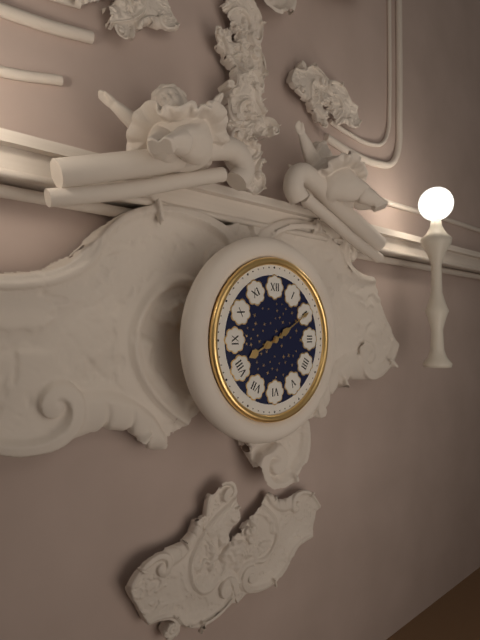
8:10
